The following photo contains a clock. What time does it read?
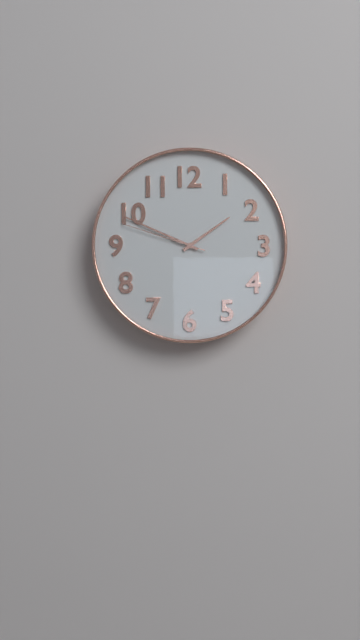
1:49:48
